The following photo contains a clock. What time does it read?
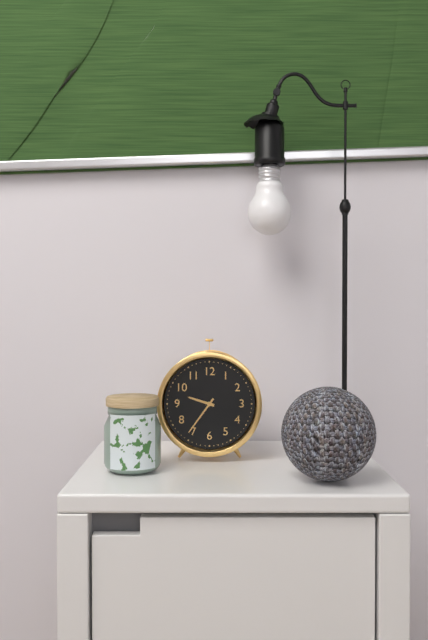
9:36
